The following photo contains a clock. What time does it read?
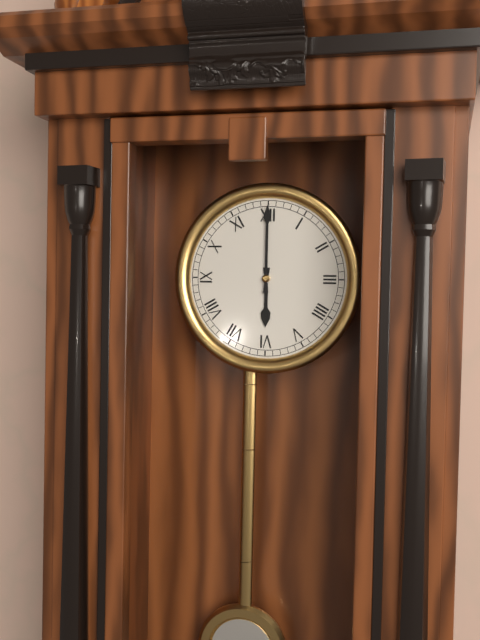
6:00
